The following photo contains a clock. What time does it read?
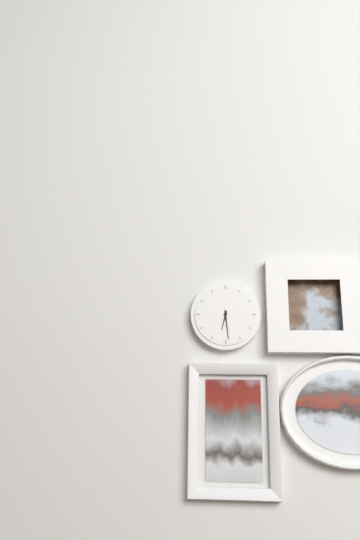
6:29
